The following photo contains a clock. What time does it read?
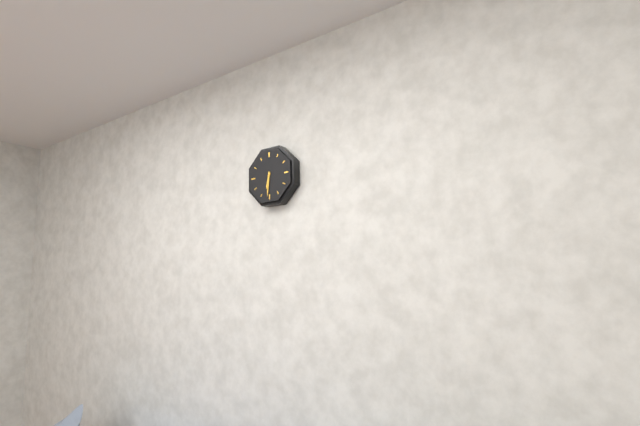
6:31
